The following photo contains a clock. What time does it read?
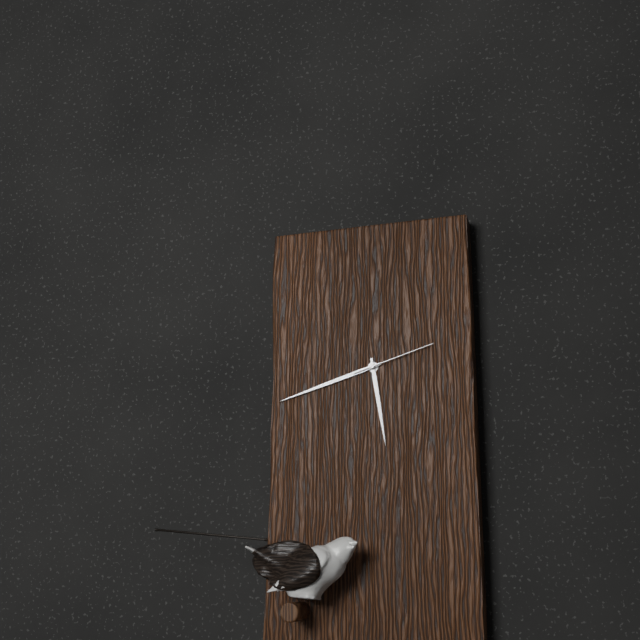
5:42:12
